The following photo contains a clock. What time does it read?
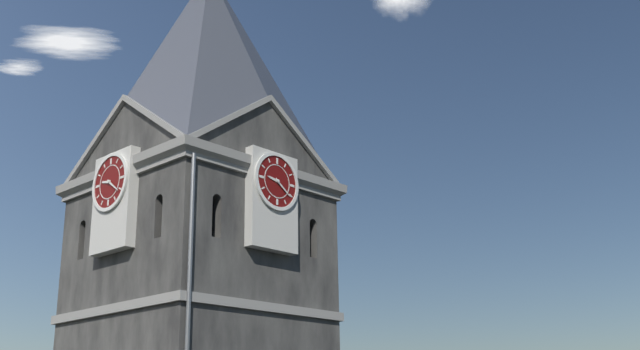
9:21
